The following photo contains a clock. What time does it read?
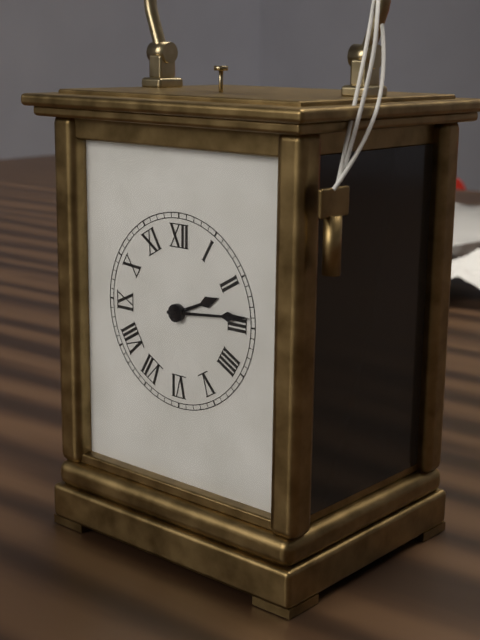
2:14
